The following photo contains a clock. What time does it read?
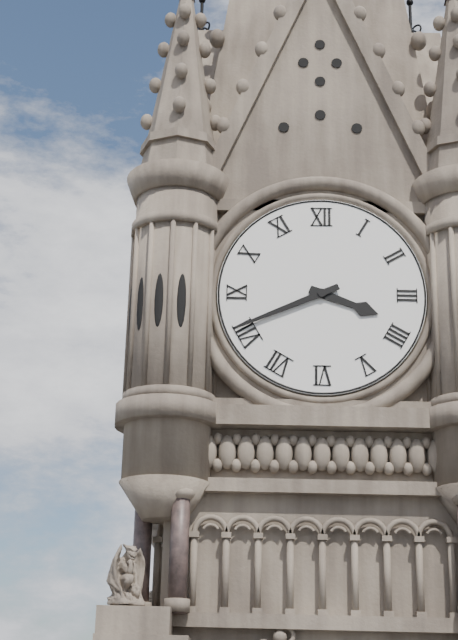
3:41
